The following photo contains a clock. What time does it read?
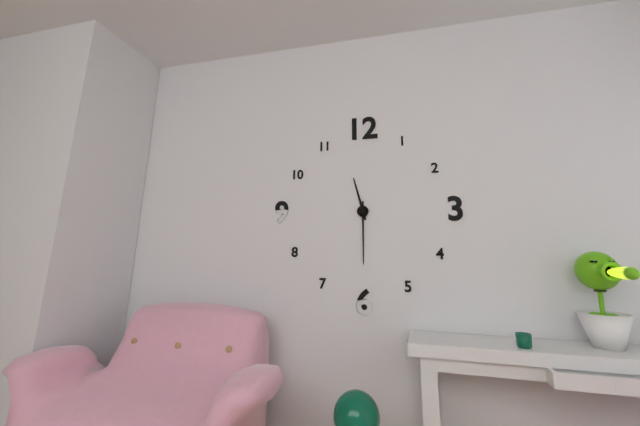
11:30
